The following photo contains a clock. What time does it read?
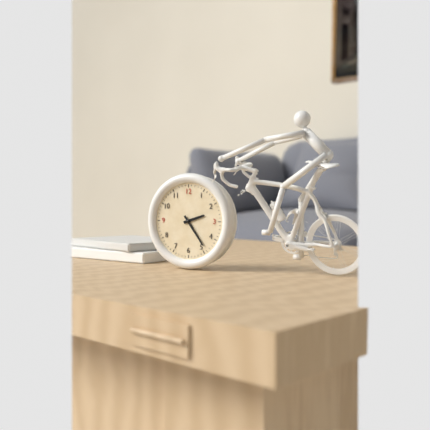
2:24
